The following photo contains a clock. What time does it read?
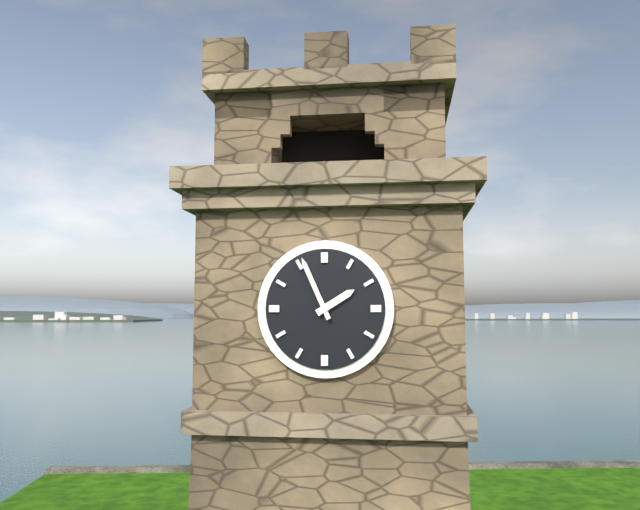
1:56
